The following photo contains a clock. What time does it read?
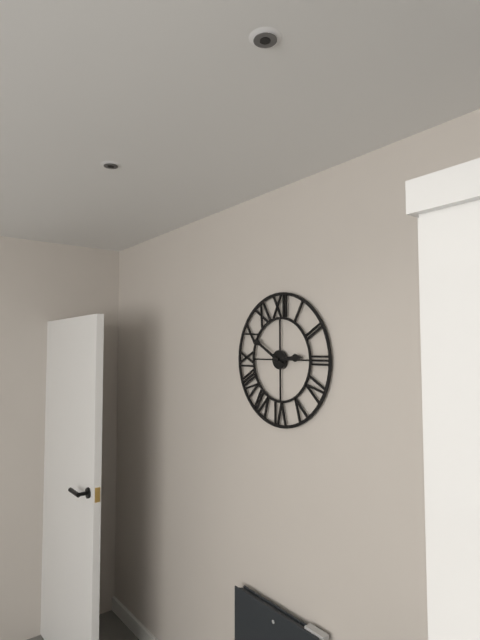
2:50
